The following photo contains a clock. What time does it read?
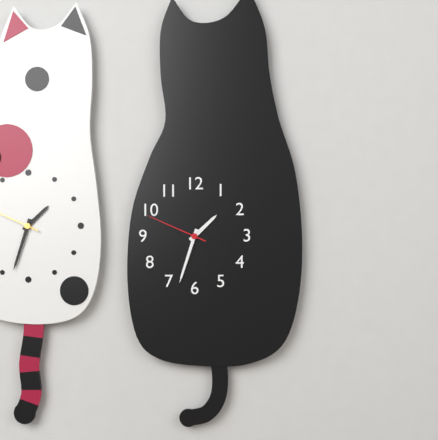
1:33:49
